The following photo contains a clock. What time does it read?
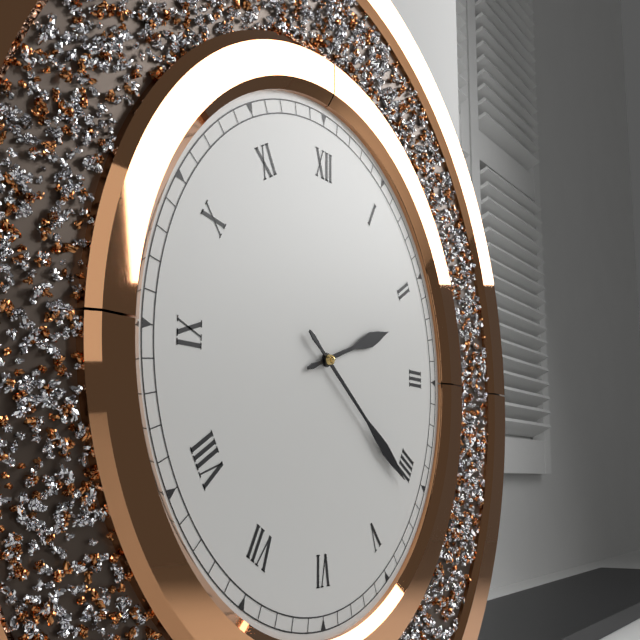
2:21
